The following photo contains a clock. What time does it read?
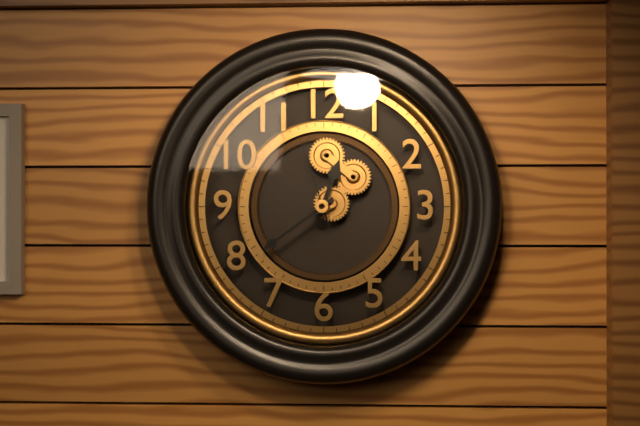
12:39:57
